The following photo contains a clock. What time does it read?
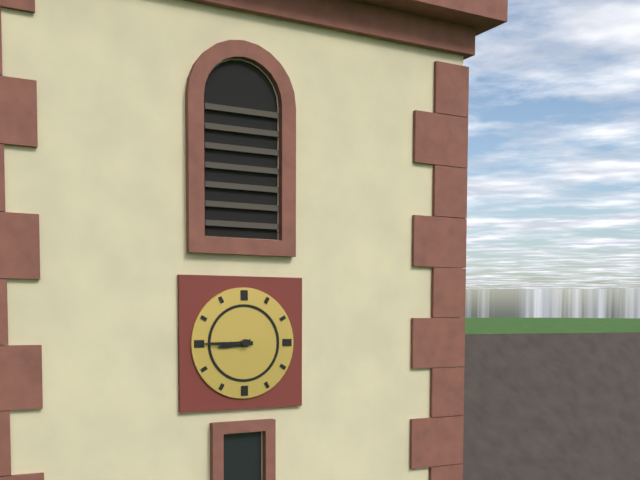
8:45
